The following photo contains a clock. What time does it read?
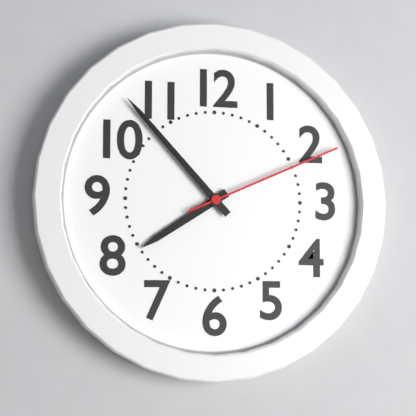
7:53:11
